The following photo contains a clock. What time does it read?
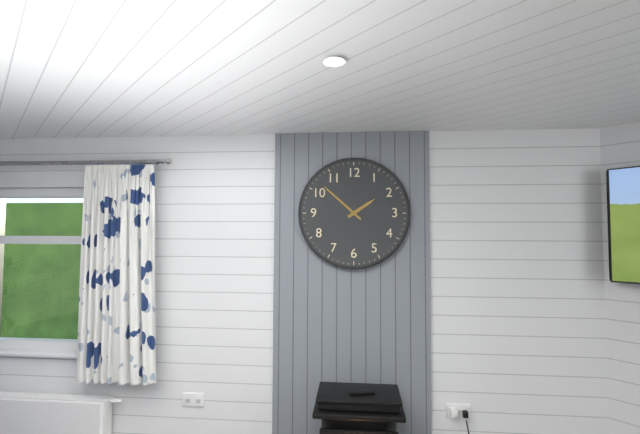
1:52
